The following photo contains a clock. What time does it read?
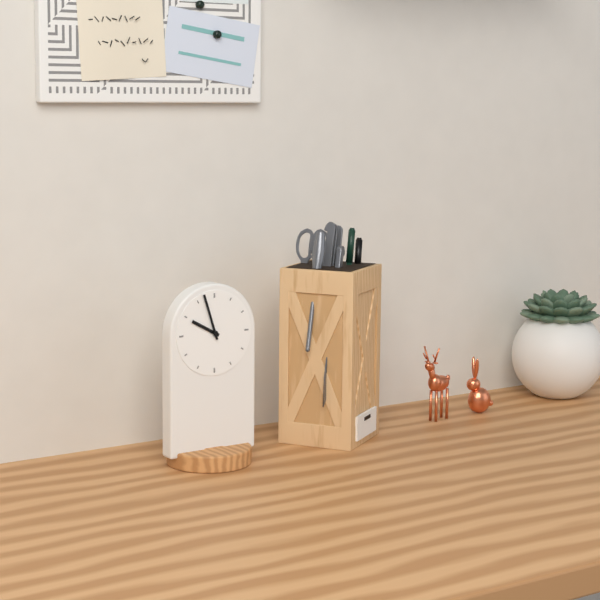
9:57
